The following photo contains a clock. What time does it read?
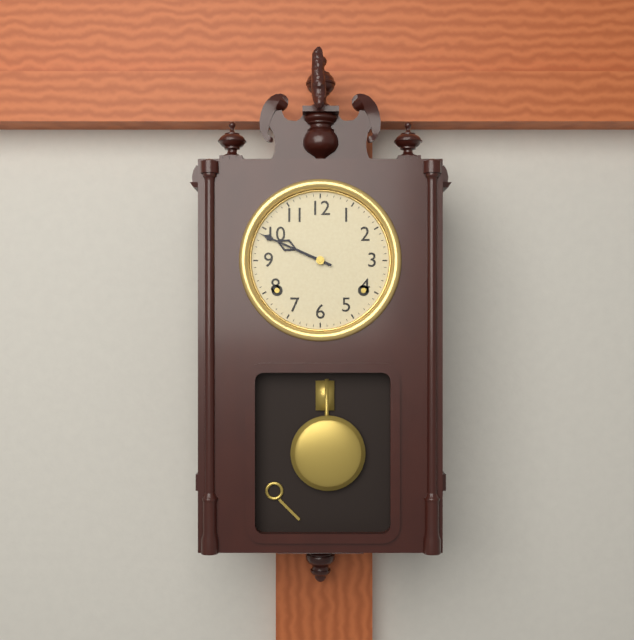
9:49
